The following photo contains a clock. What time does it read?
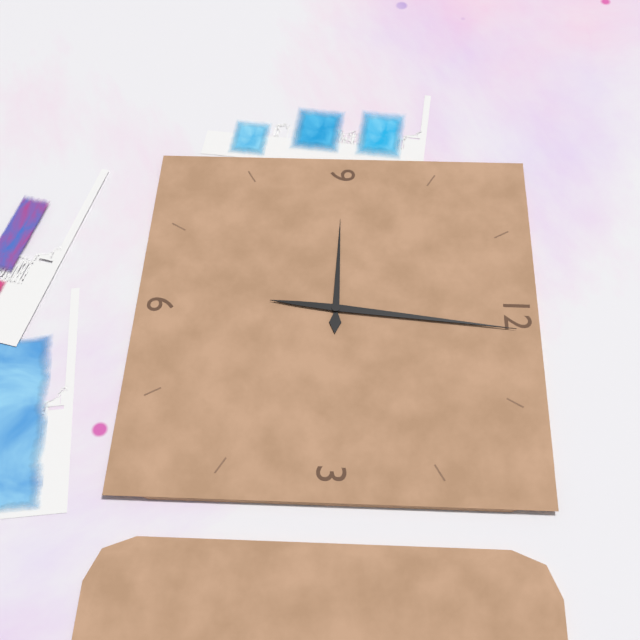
9:01
